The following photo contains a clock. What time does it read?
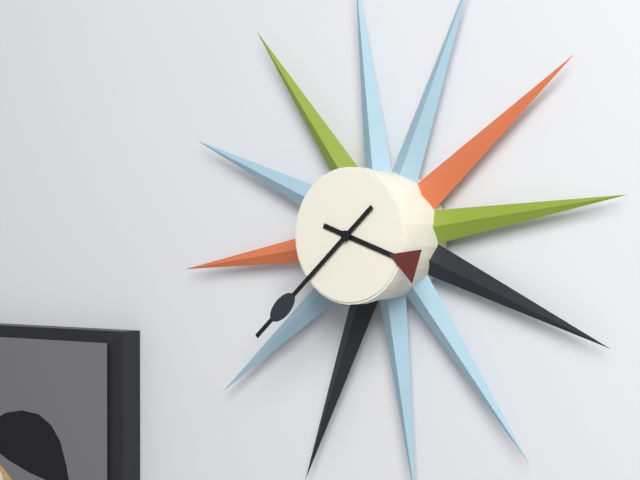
3:38
